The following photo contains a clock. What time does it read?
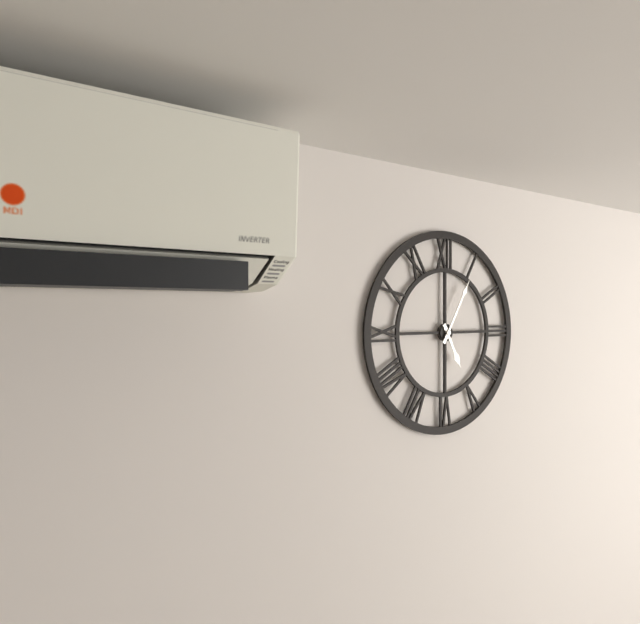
5:05
